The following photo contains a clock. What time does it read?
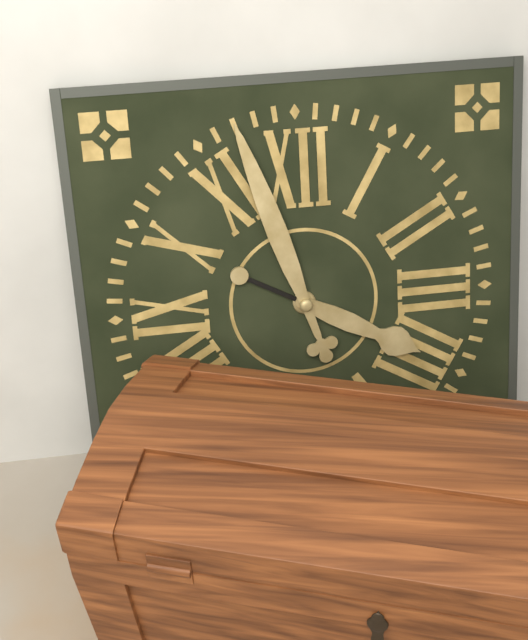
3:57
